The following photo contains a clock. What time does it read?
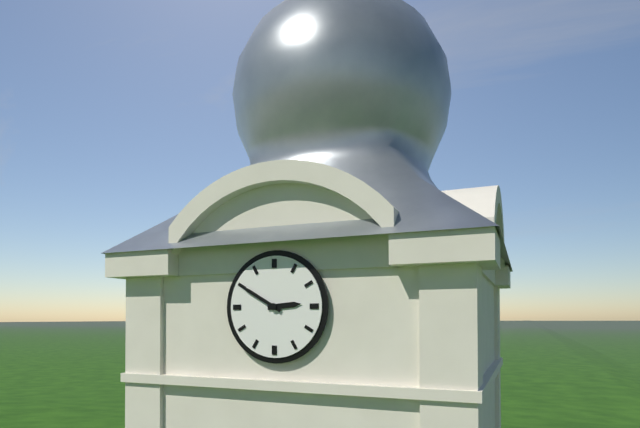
2:50
